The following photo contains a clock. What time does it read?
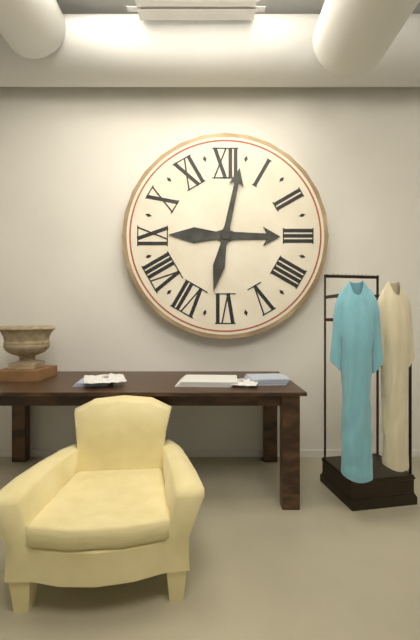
3:02
